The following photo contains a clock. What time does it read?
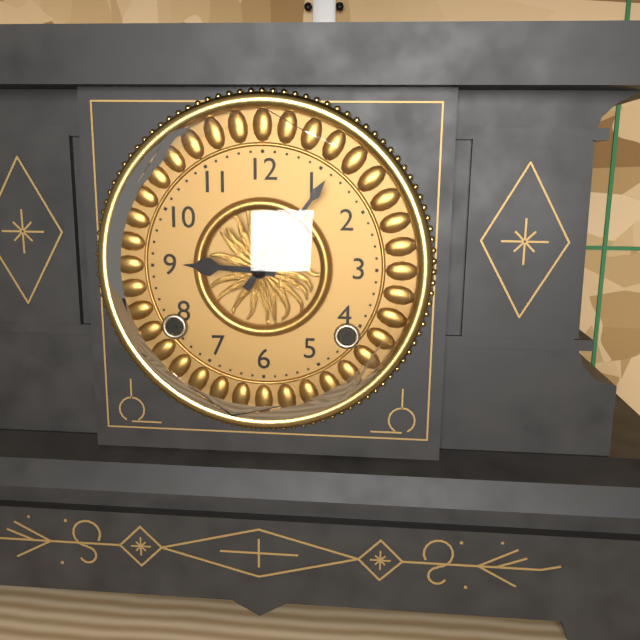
9:06
